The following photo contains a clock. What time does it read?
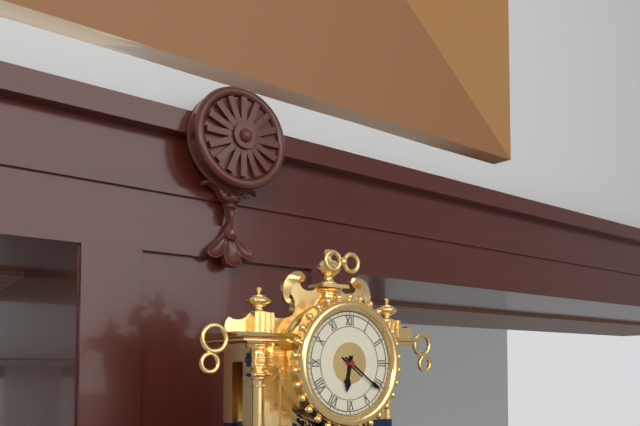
6:21
